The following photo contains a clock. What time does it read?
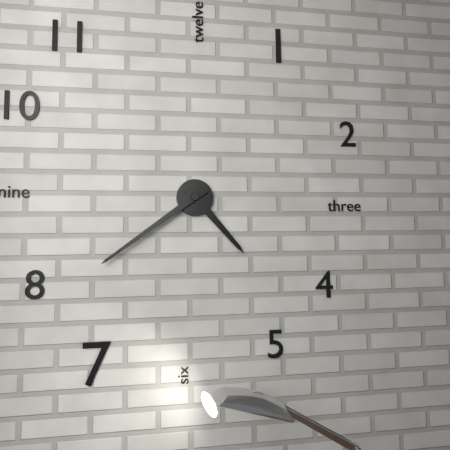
4:39
